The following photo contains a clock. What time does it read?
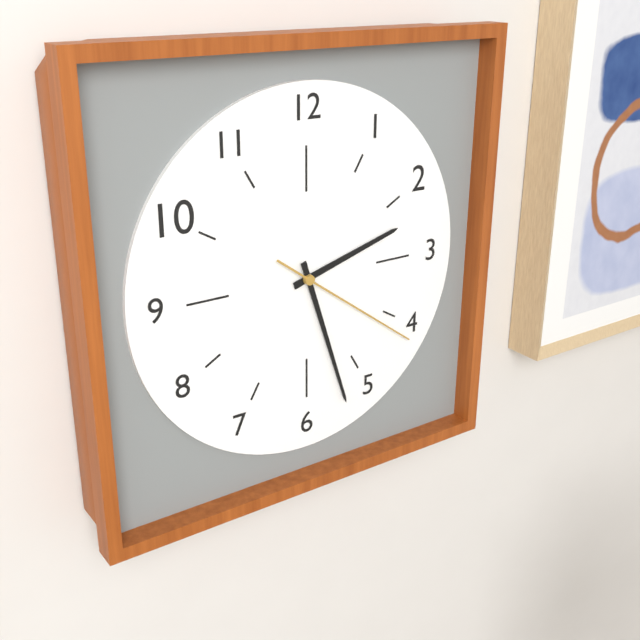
2:27:21
